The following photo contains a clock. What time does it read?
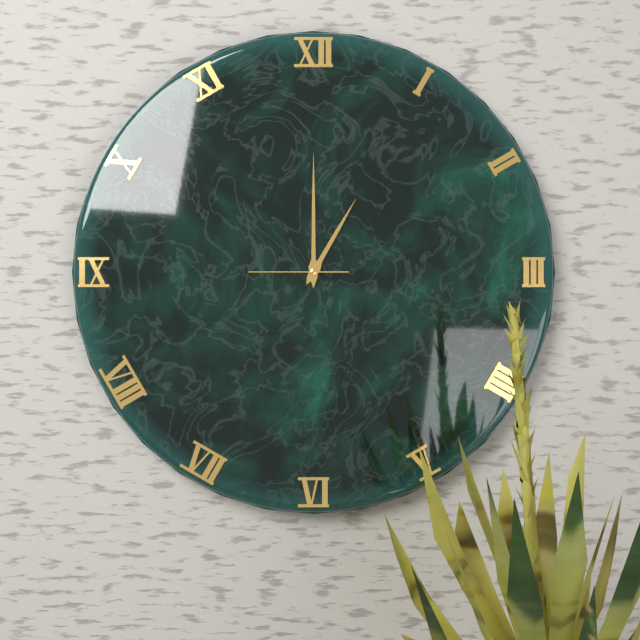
1:00:45
